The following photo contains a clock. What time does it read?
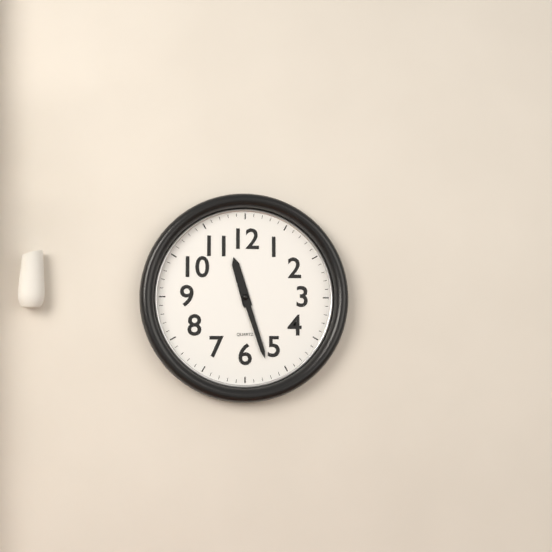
11:27
